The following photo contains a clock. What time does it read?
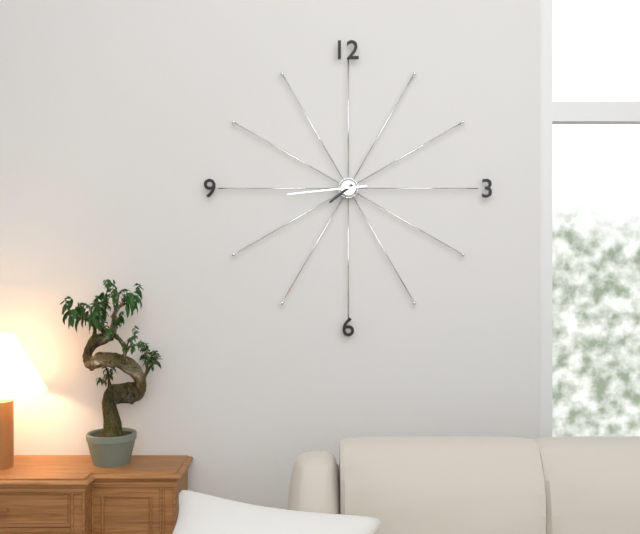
7:44
